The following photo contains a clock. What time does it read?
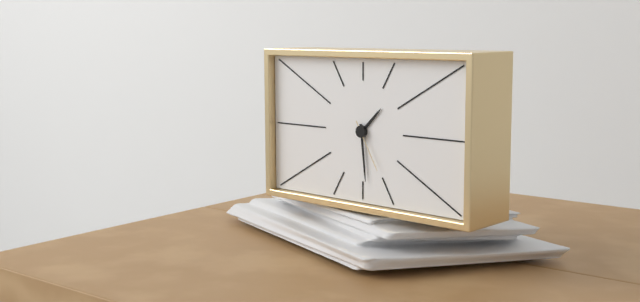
1:29:25
